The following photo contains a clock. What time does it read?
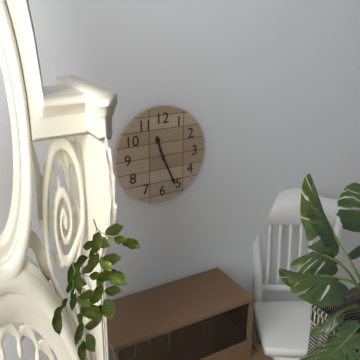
11:26
